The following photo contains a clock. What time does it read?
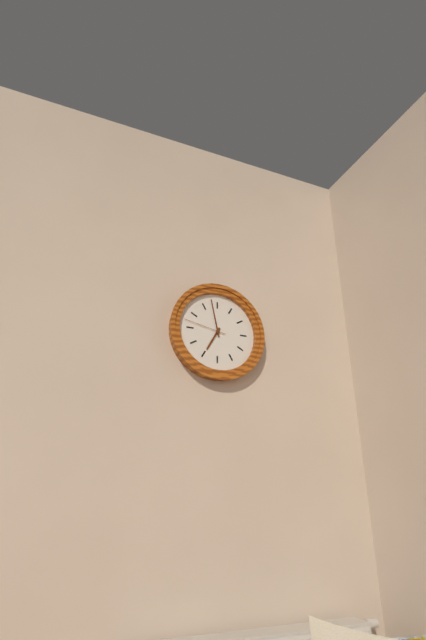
6:58
